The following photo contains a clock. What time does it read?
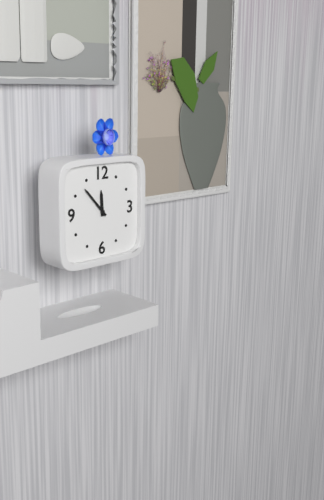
11:53
